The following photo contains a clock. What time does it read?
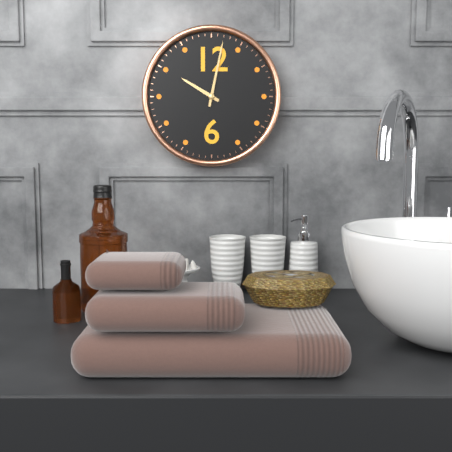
10:02
